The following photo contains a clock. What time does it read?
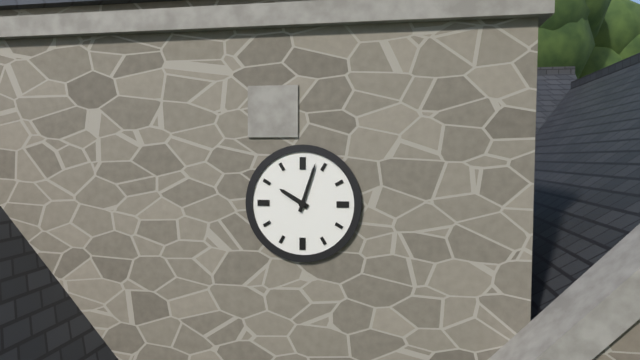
10:03
